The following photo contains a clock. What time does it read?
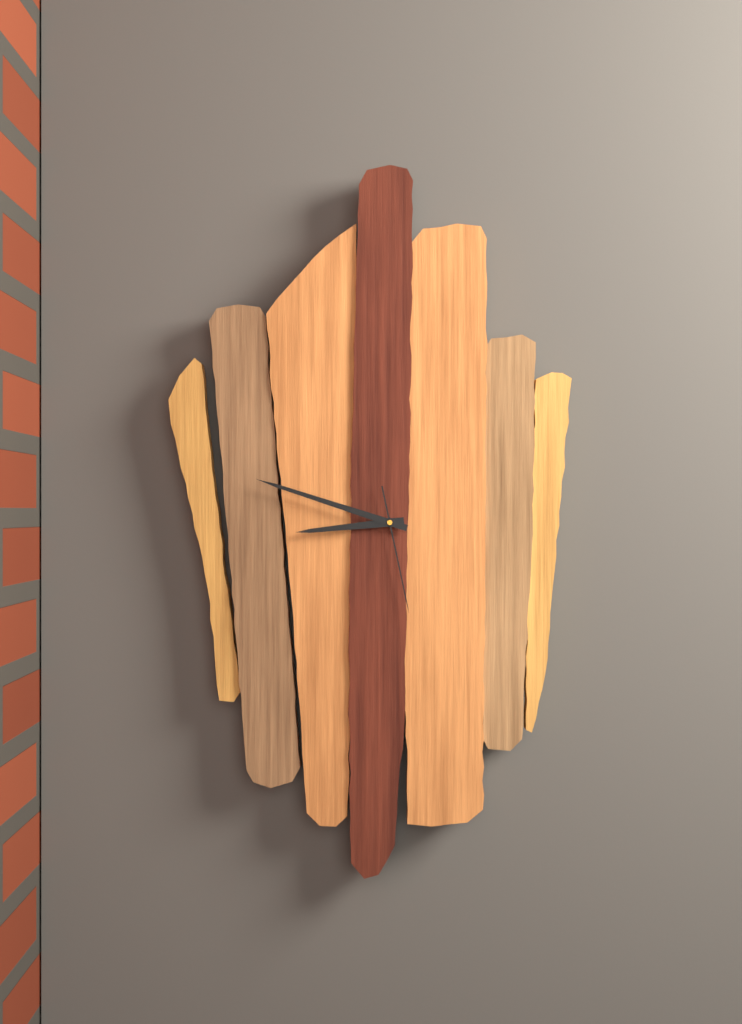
8:48:28
